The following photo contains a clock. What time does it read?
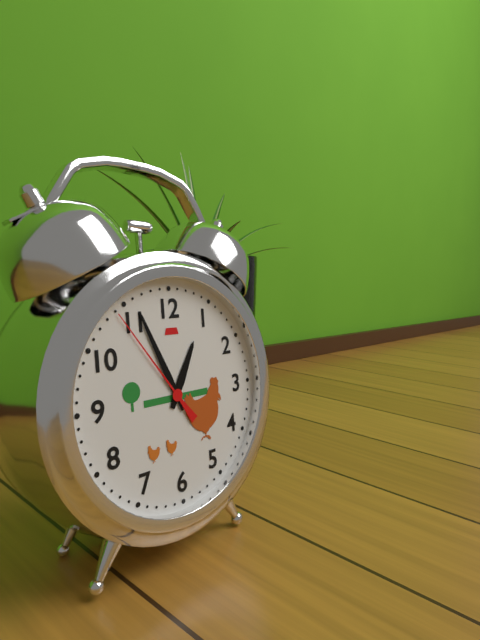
12:56:54
